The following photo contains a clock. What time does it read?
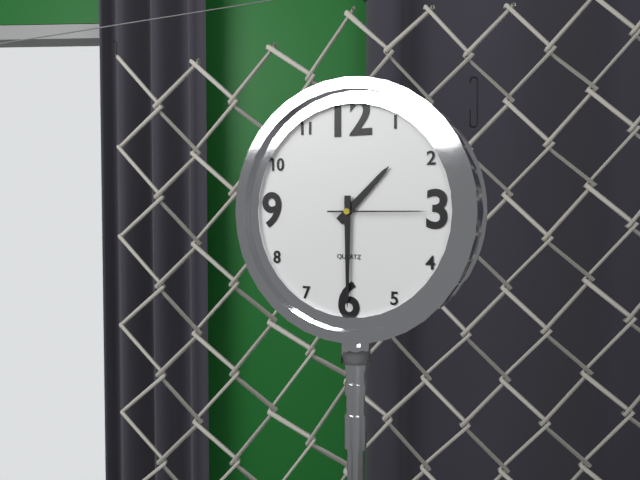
1:30:15
